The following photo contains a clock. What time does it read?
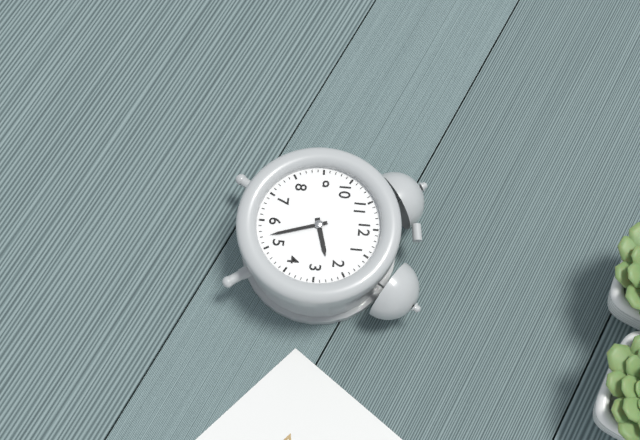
2:27
